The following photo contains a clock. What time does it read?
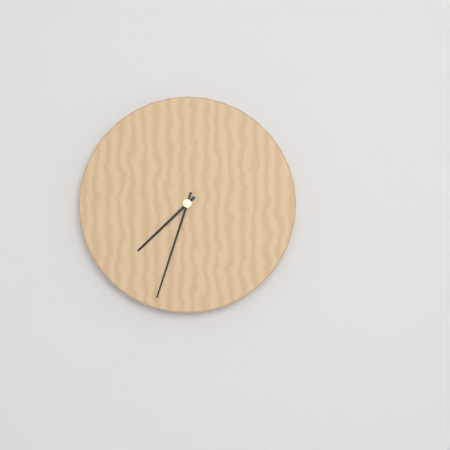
7:33
